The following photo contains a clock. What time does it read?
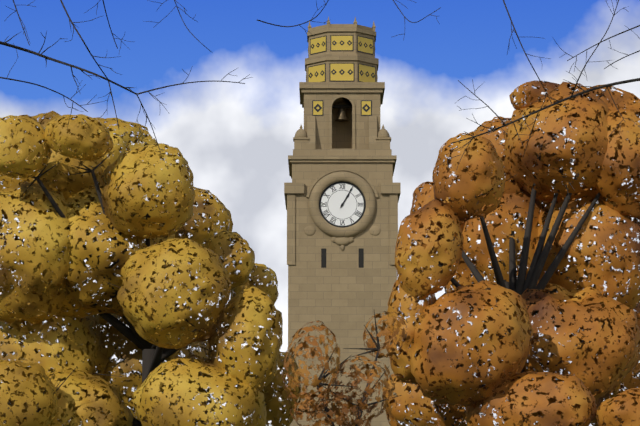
1:05
